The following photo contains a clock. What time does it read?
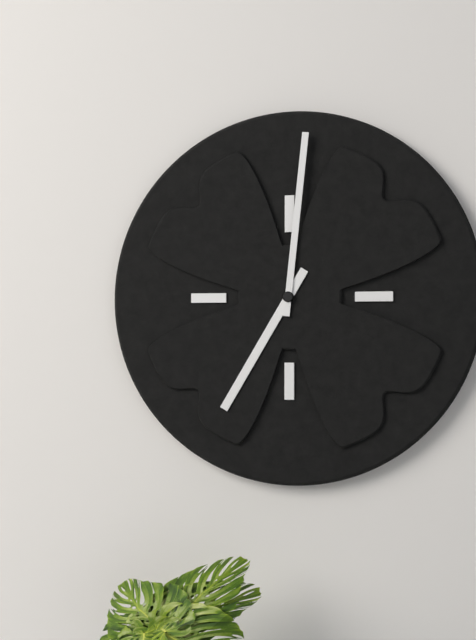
7:01
